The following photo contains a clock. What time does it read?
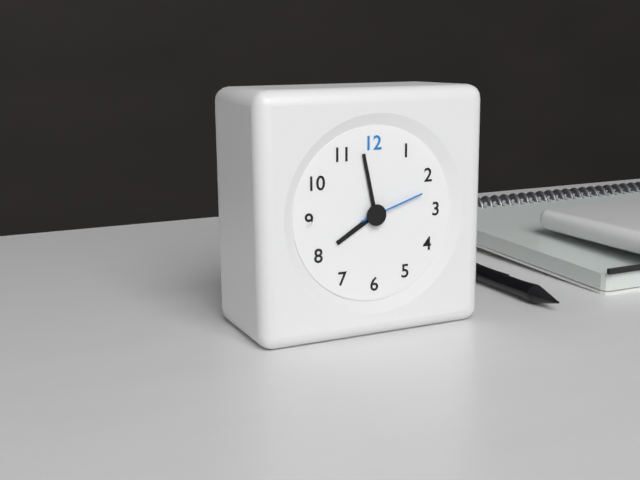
7:58:12
